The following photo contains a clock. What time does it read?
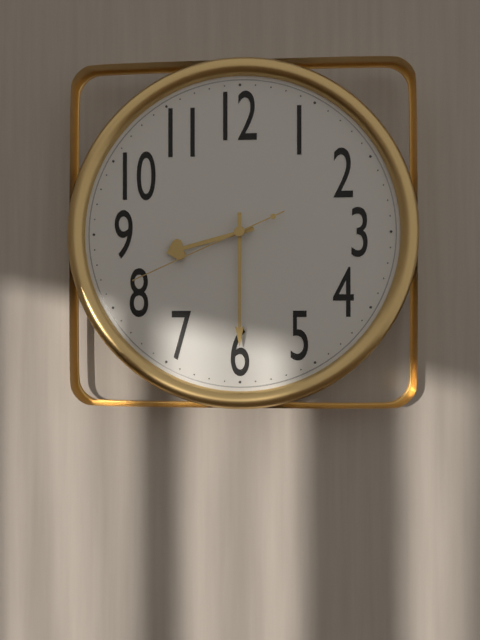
8:30:41
